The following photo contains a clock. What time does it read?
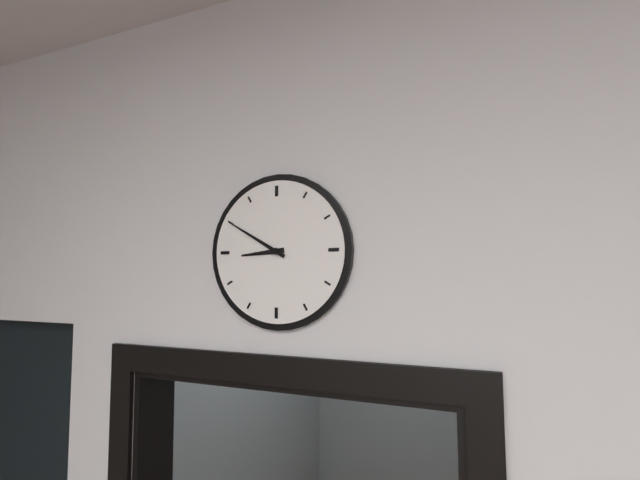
8:50
